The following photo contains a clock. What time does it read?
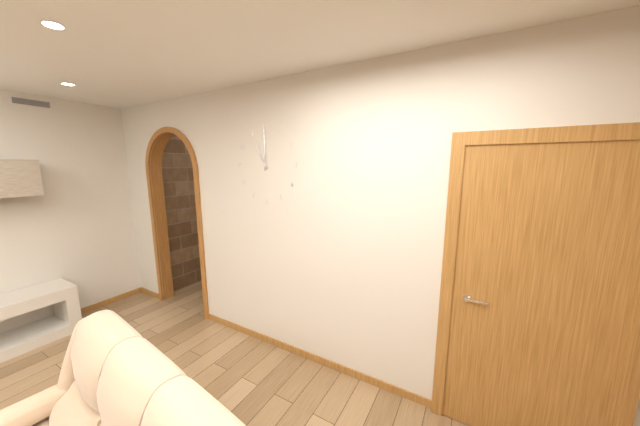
11:00
